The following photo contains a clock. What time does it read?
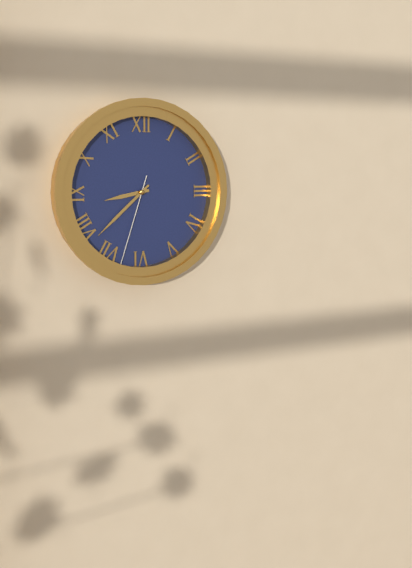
8:38:33
